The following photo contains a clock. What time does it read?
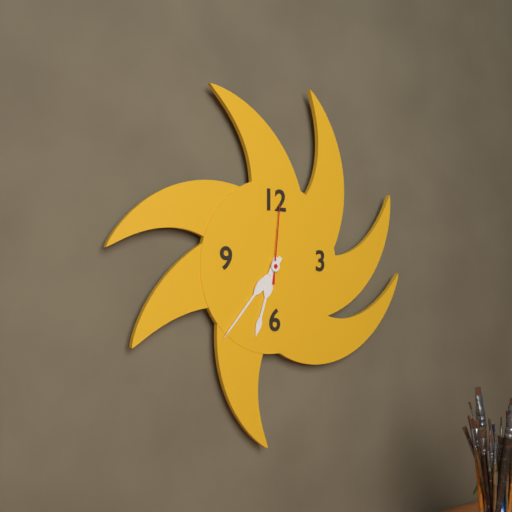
6:37:01
